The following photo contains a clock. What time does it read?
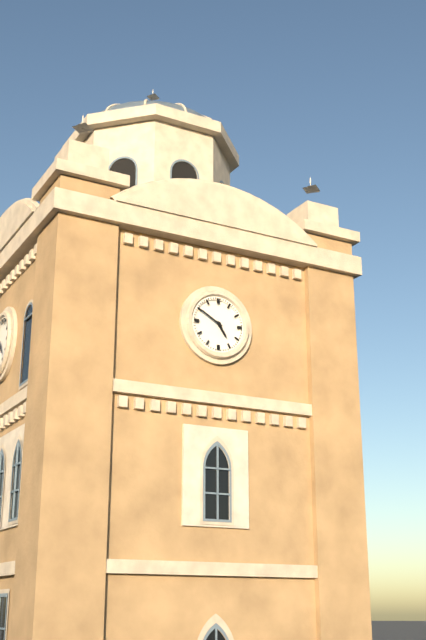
4:50
